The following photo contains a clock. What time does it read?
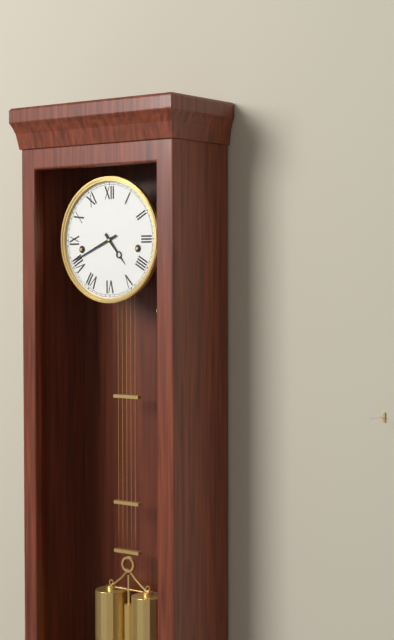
4:41
